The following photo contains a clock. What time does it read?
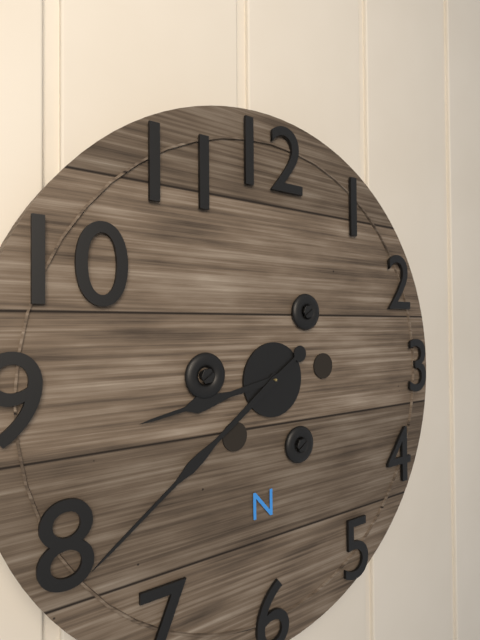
8:39
